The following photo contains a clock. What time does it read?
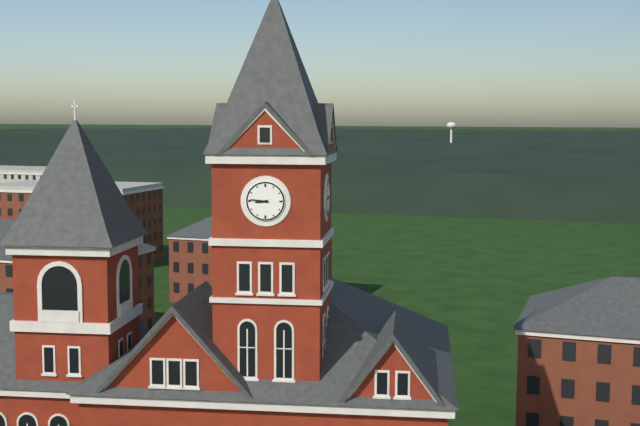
8:46
